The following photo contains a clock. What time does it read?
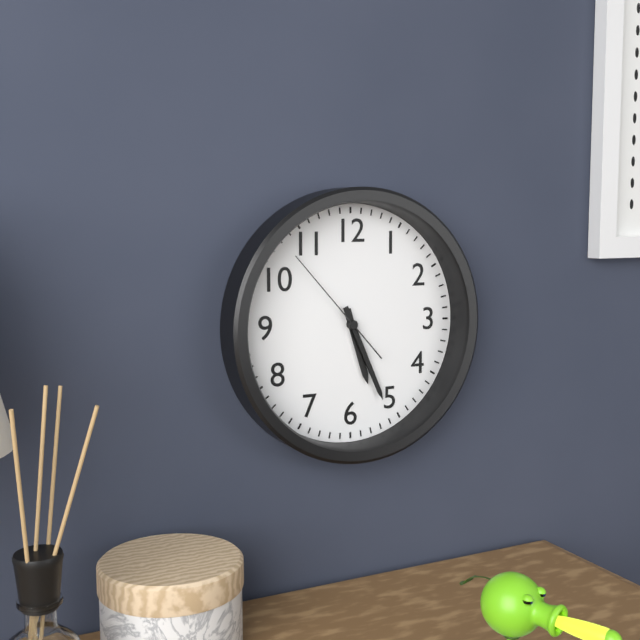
5:26:53
